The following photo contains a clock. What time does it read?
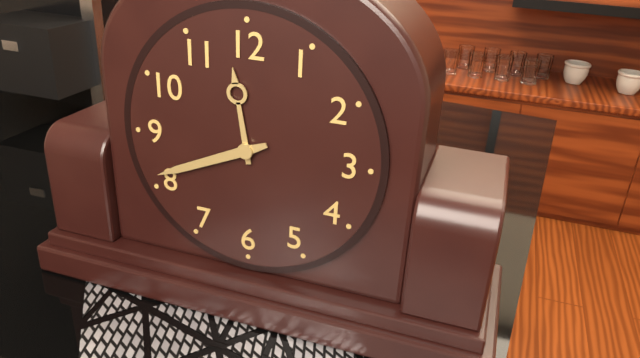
11:41
